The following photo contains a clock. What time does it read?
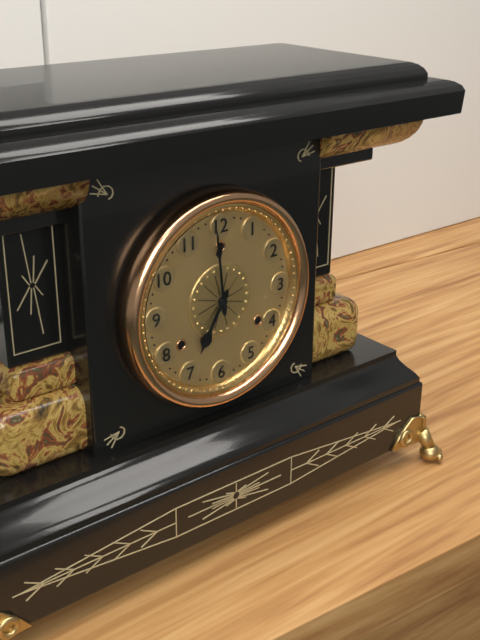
6:59
